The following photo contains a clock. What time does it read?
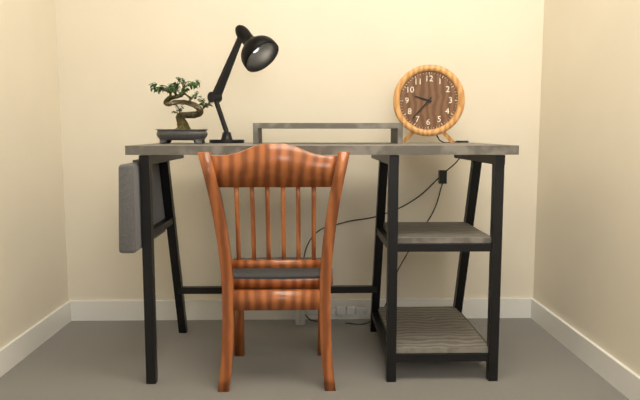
9:37
